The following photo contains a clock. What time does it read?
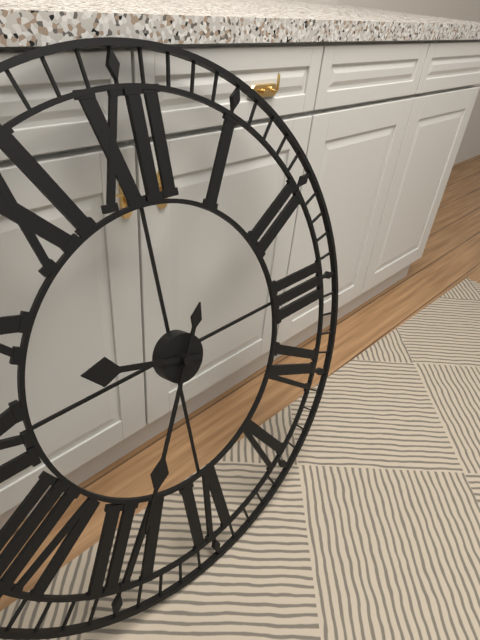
9:35
